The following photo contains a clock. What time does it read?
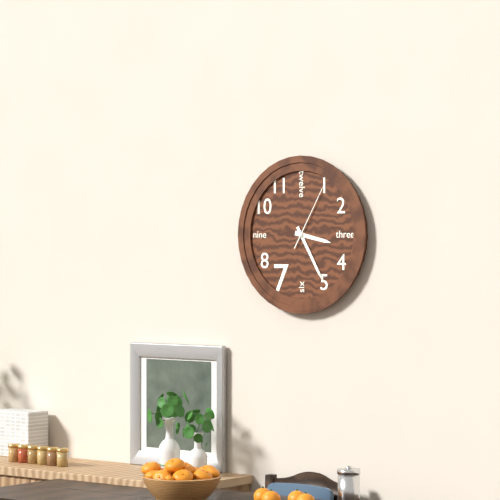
3:25:05
